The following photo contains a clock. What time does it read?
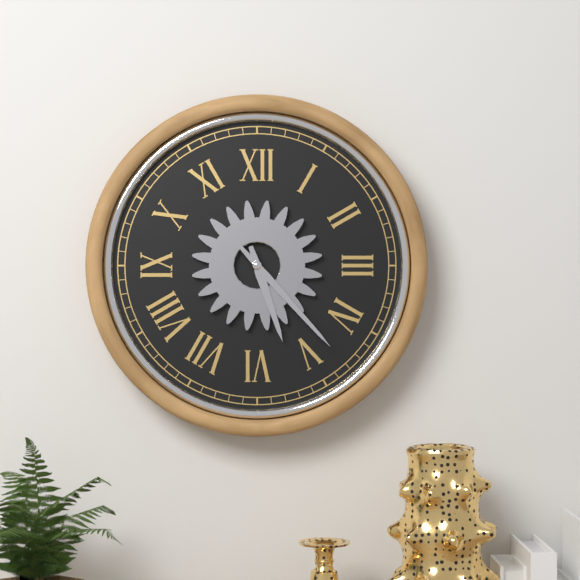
5:23
